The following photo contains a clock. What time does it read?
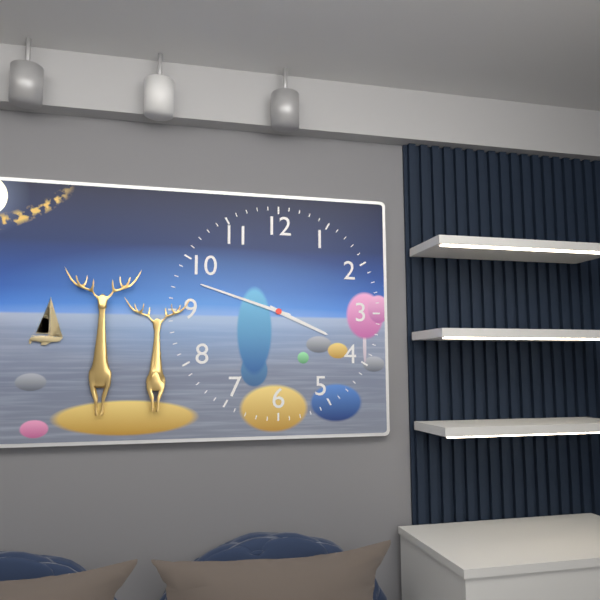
3:48
